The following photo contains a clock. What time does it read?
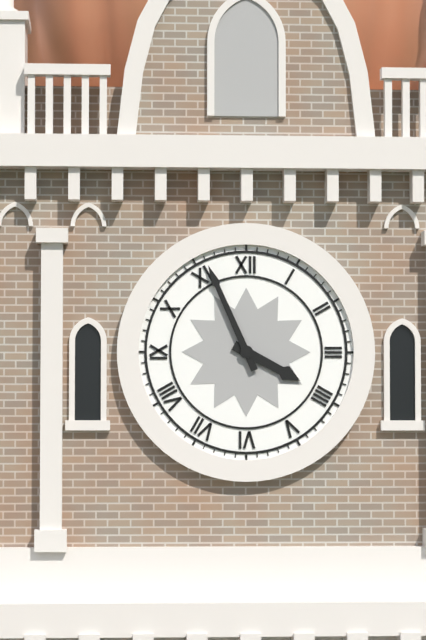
3:56
